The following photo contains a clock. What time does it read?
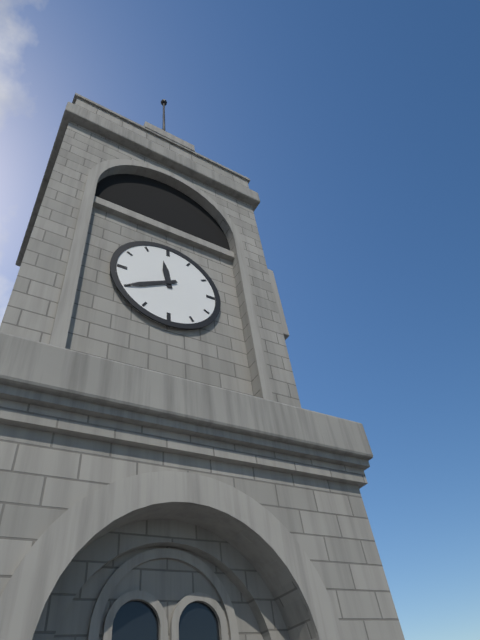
11:40
